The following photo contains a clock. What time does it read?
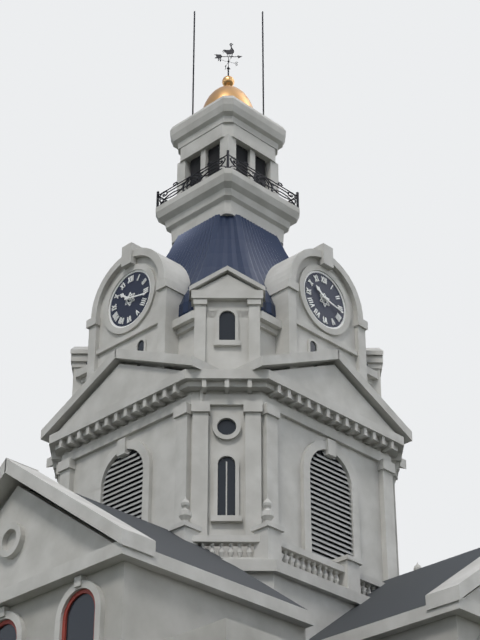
10:17
